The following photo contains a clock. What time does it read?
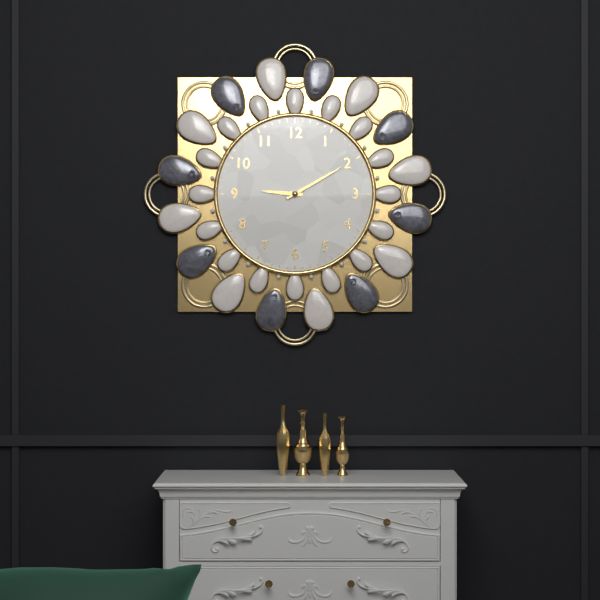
9:10
